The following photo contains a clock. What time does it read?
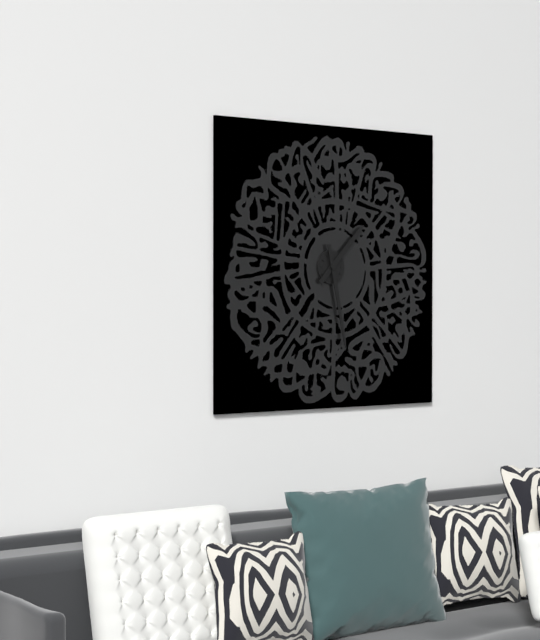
1:28
